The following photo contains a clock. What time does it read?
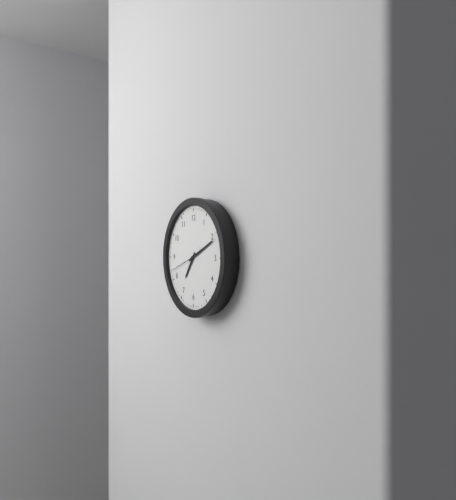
7:11
